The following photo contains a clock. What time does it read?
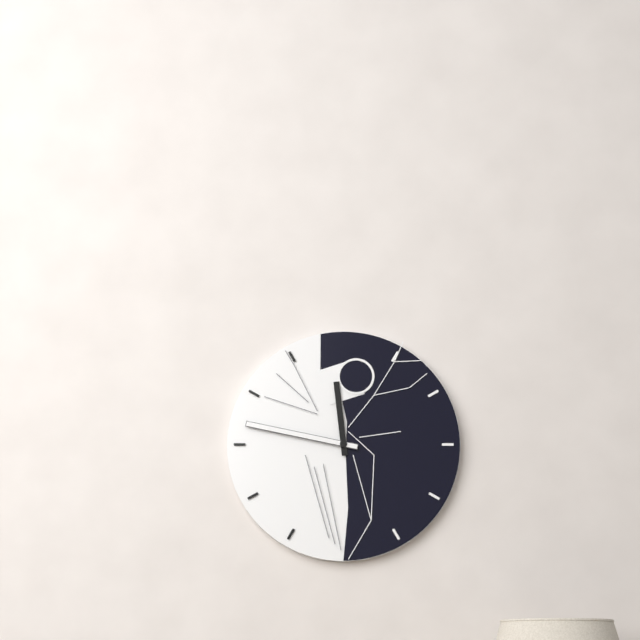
11:47
